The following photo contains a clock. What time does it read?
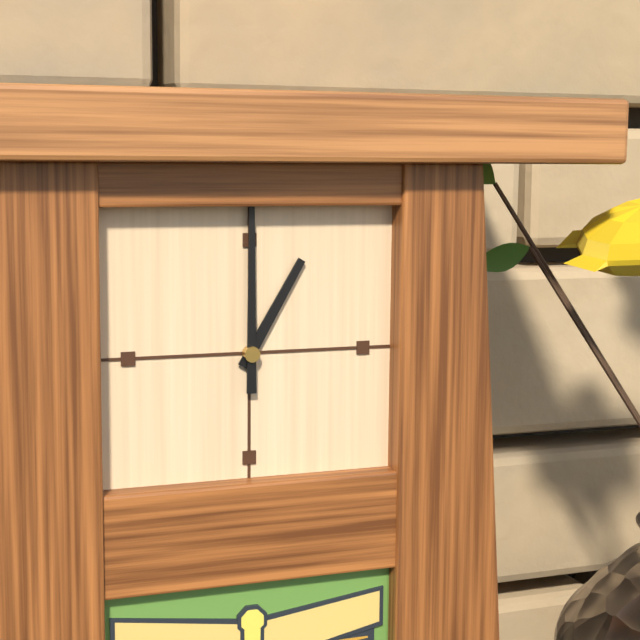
1:00
